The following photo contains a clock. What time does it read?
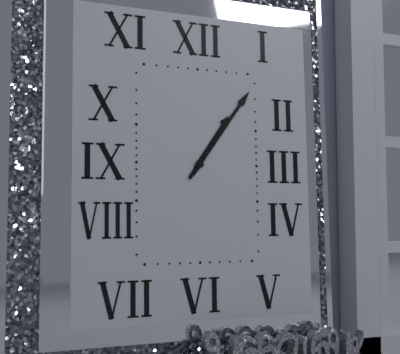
1:06
